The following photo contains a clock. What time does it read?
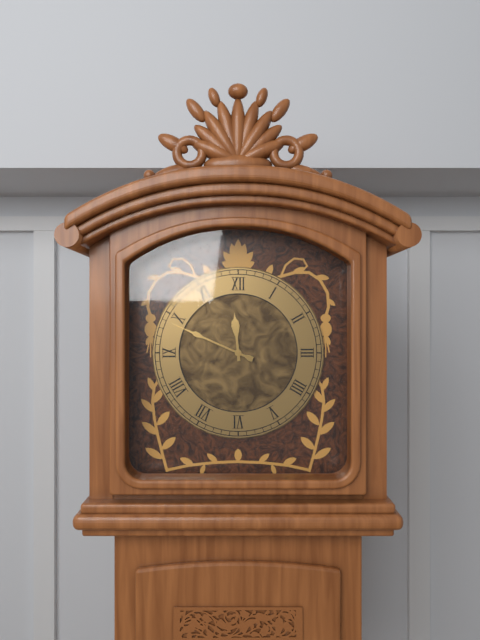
11:49
